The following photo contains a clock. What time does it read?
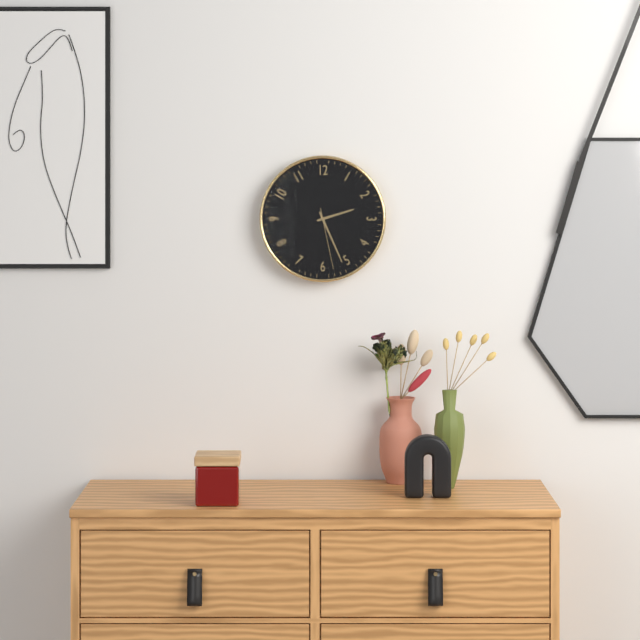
2:26:28
